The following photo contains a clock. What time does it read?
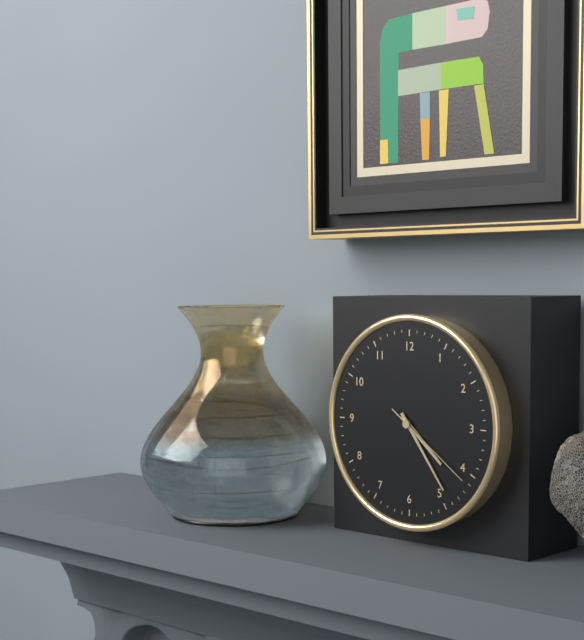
4:24:21
